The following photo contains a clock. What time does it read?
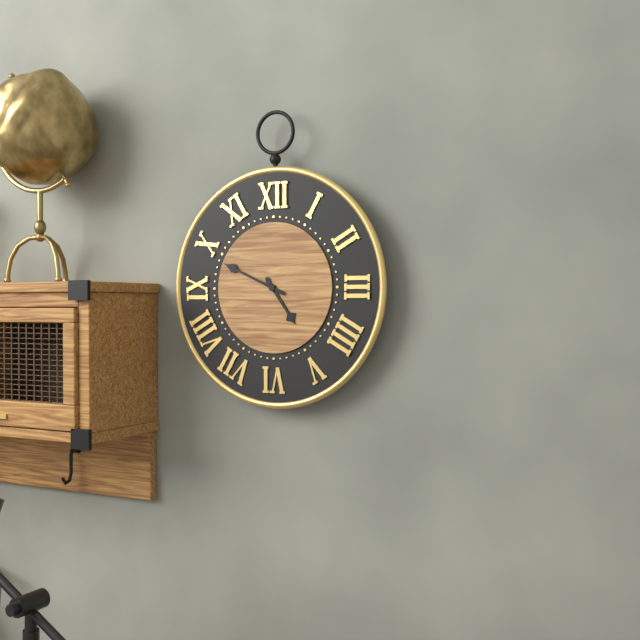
4:49
